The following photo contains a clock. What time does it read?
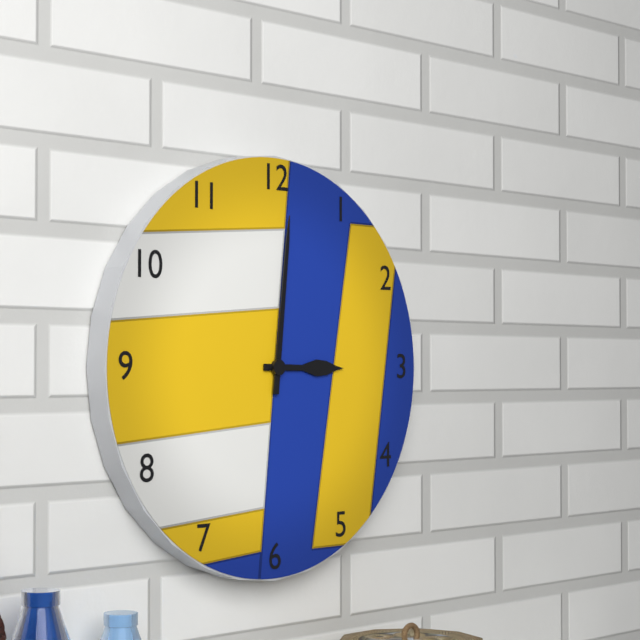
3:01
